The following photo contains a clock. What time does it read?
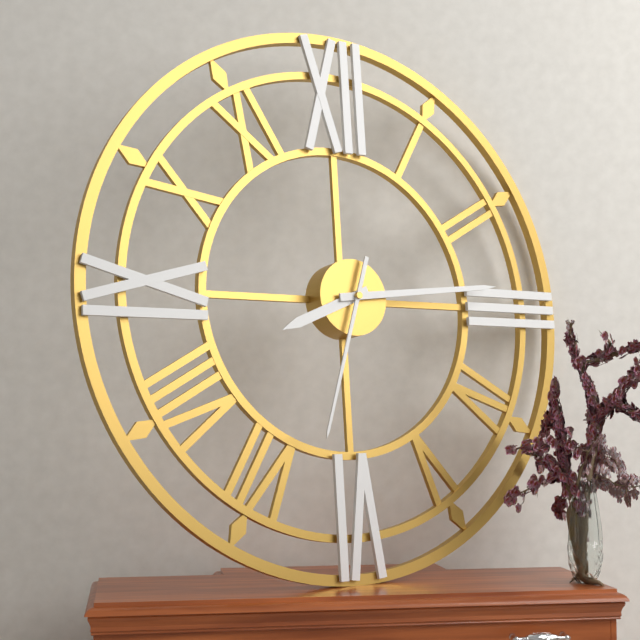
8:14:33
